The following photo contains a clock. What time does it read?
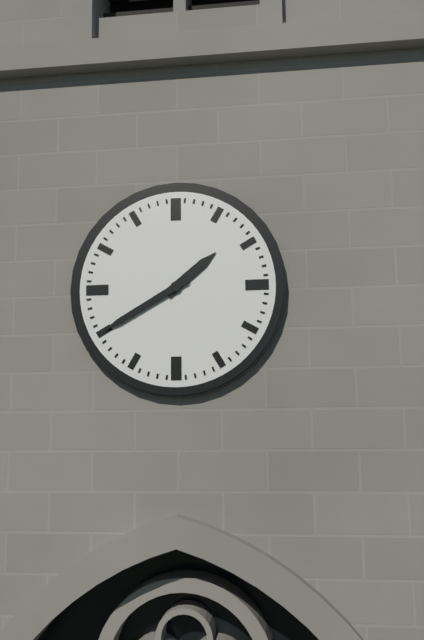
1:40
